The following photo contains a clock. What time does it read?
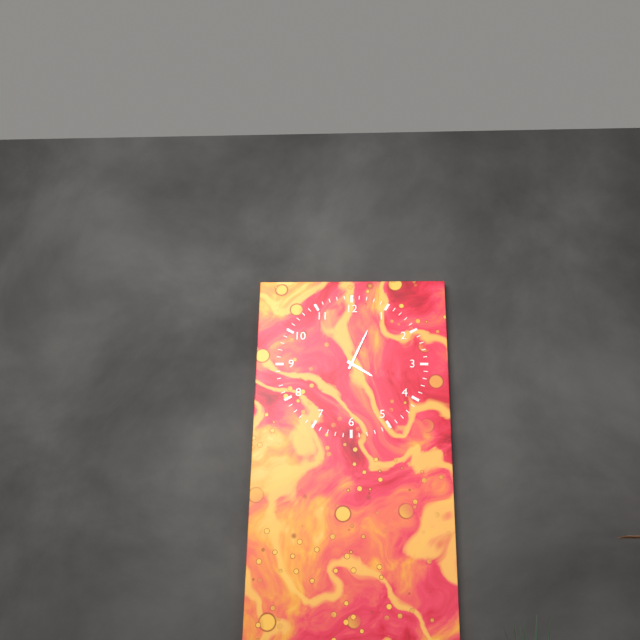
4:04
